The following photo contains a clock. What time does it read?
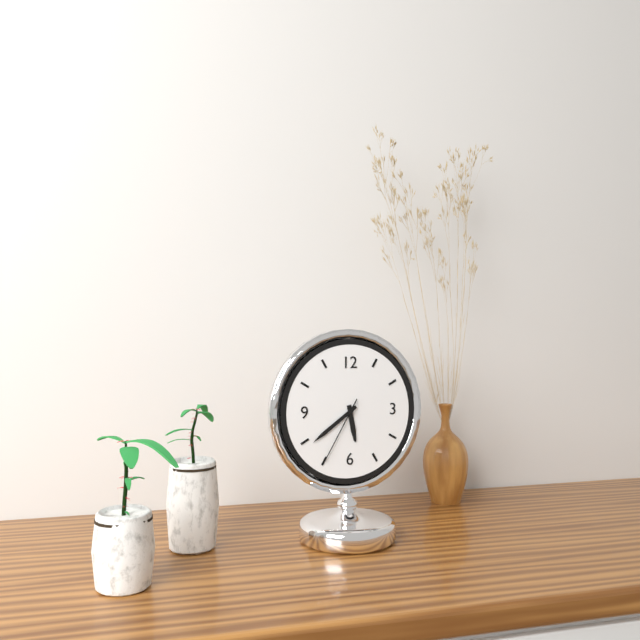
5:39:35
